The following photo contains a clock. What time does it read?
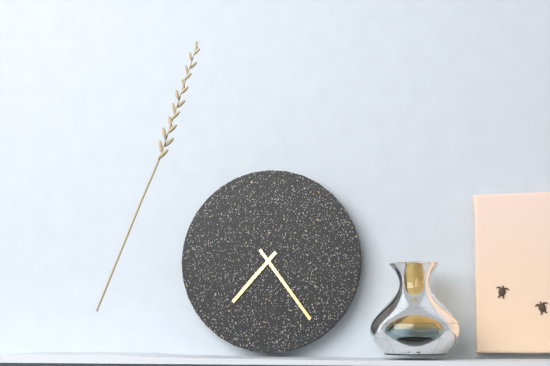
7:24
